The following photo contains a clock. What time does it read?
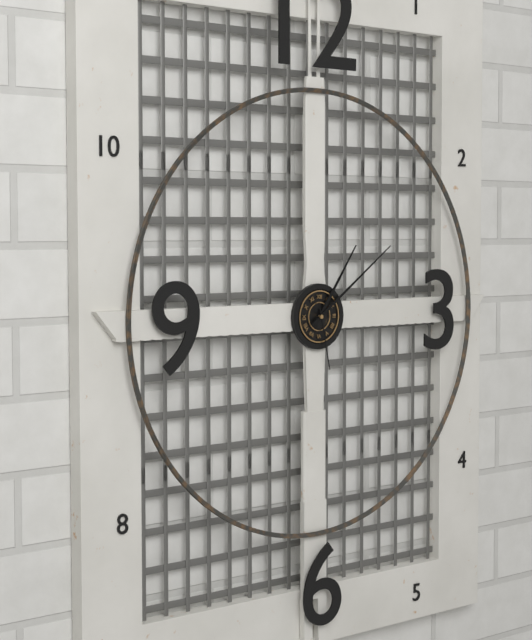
1:09:28
